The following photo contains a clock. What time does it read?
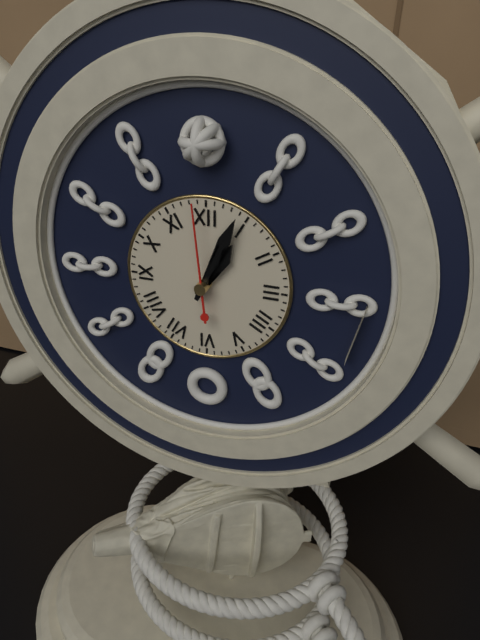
1:04:59
